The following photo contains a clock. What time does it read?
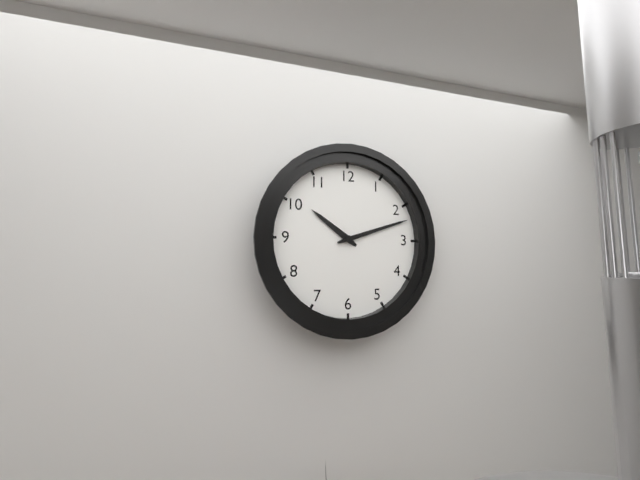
10:12
